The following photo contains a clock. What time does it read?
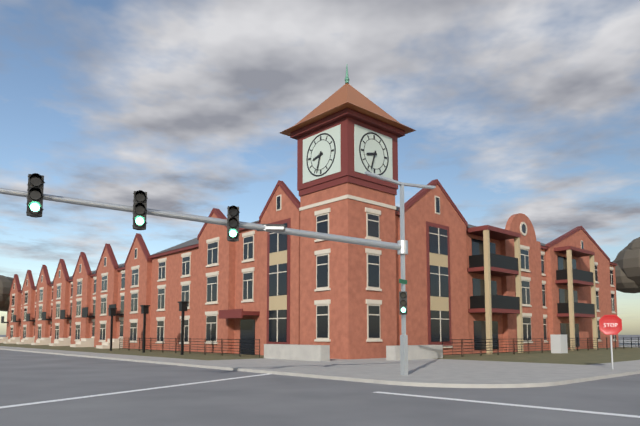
8:33
